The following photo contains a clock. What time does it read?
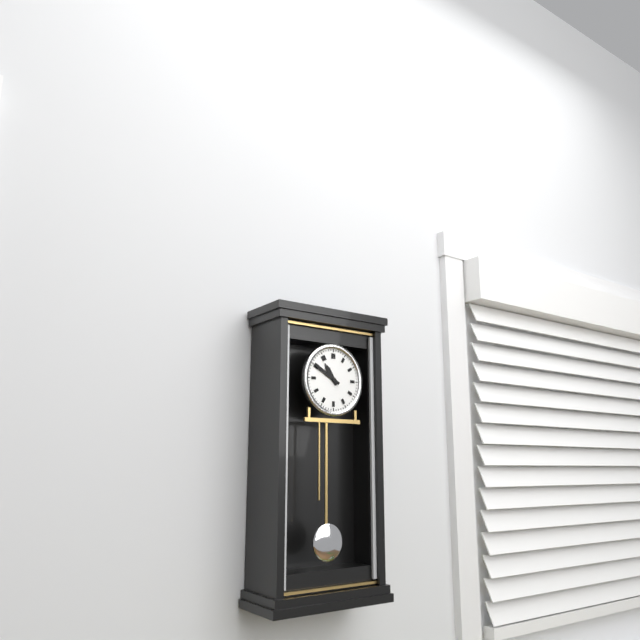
10:50
